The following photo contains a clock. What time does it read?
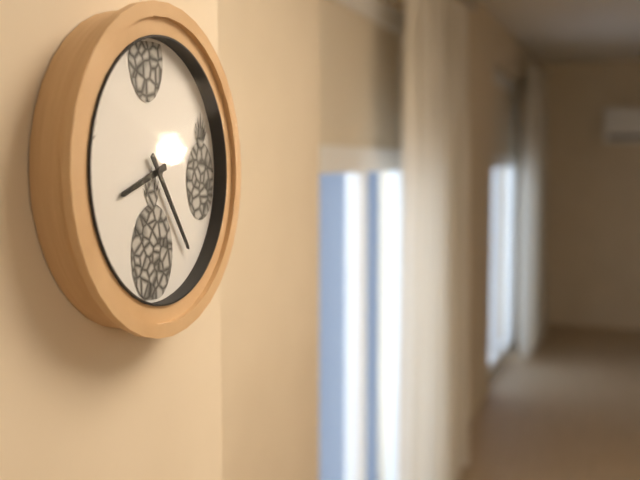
8:24
